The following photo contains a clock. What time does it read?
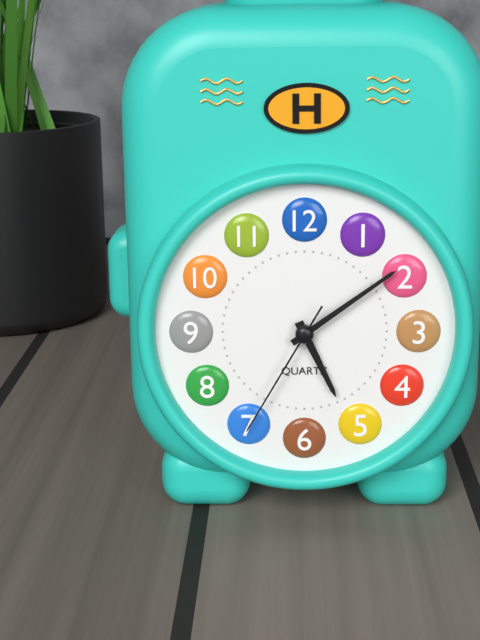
5:09:35
